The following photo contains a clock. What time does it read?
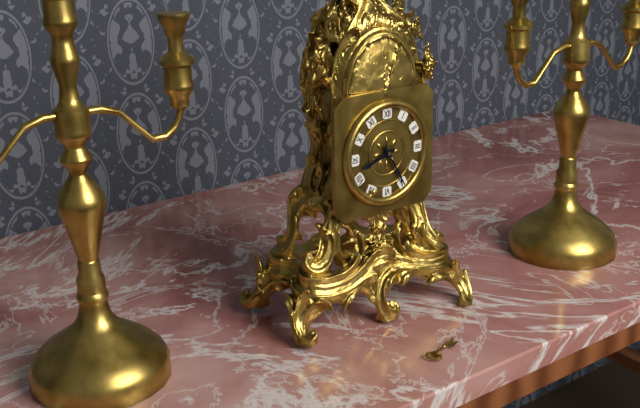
8:25
